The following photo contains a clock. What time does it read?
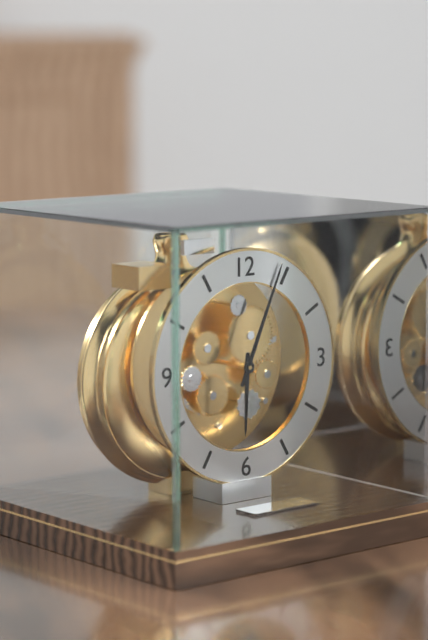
6:04
